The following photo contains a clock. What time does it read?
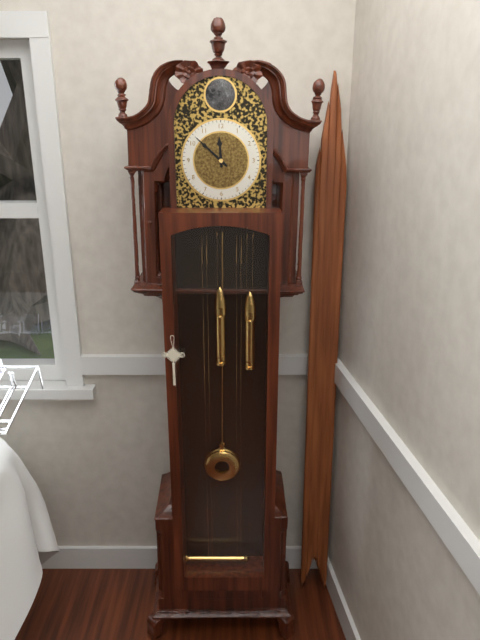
11:52
